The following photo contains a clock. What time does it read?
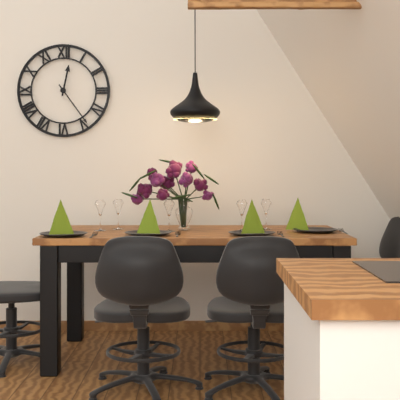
12:24
